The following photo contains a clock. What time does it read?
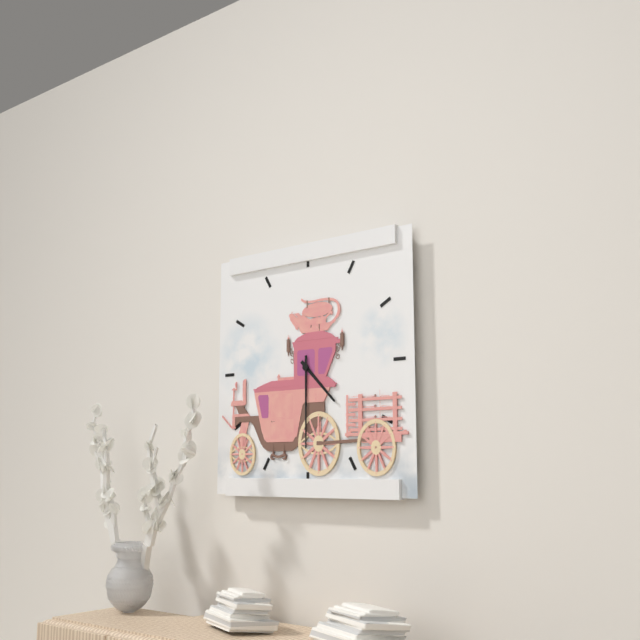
4:30
